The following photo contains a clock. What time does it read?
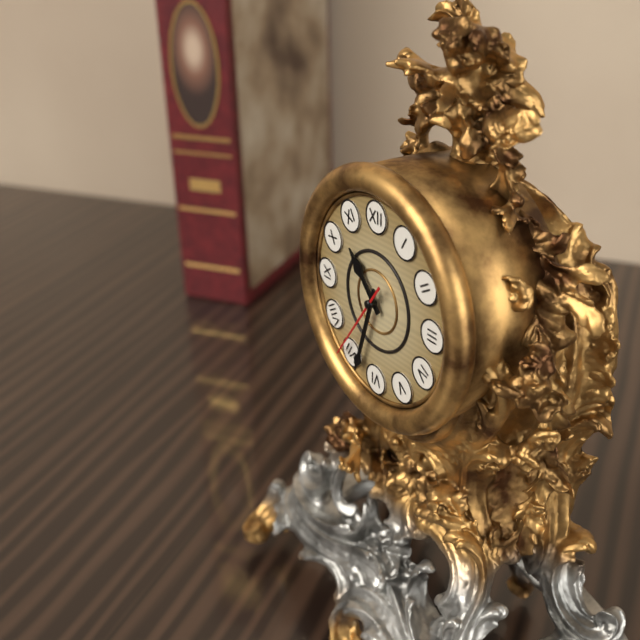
10:33:36
